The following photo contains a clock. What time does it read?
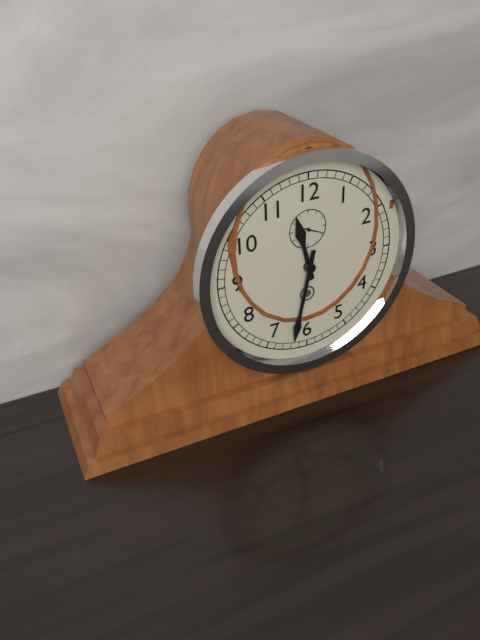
11:32
